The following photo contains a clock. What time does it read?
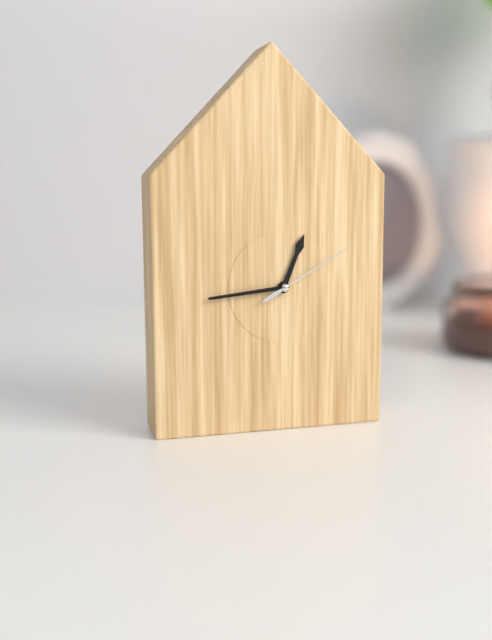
12:44:10
